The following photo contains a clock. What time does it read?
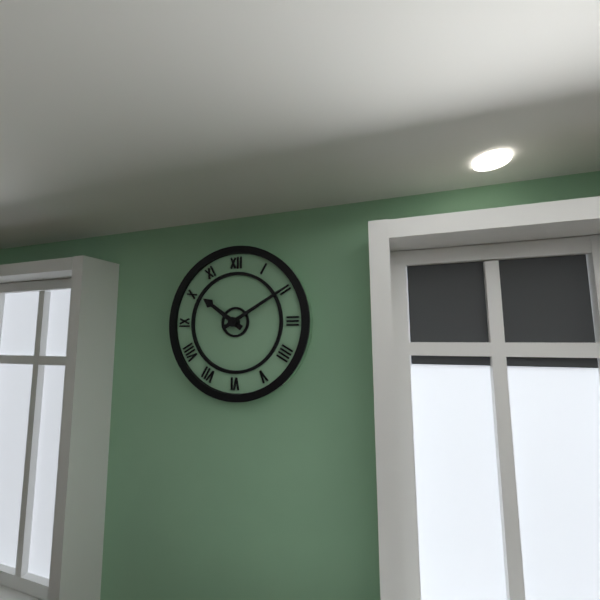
10:10
